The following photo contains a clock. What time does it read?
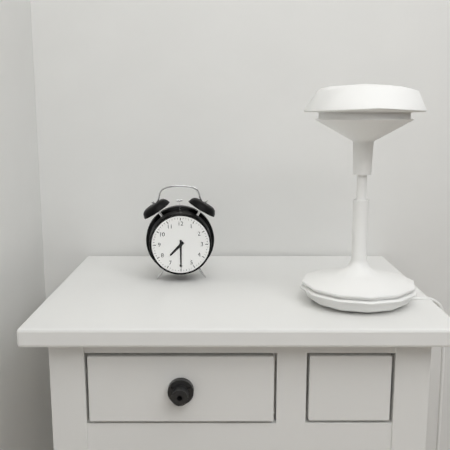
7:30
